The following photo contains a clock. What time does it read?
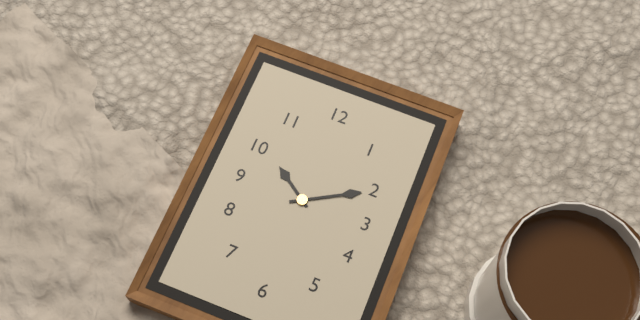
10:10
